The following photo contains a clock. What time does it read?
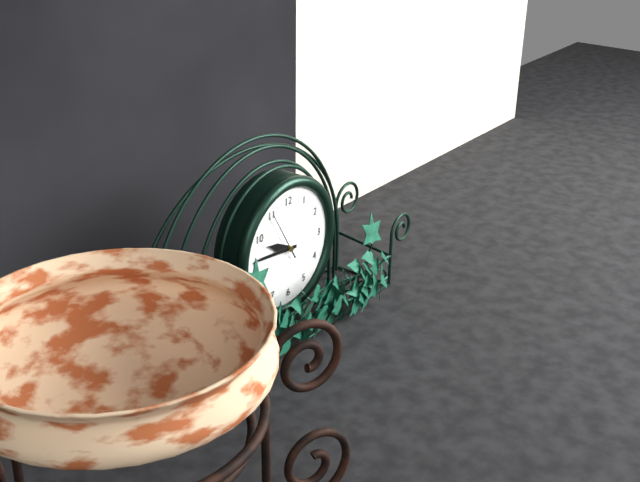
9:46
